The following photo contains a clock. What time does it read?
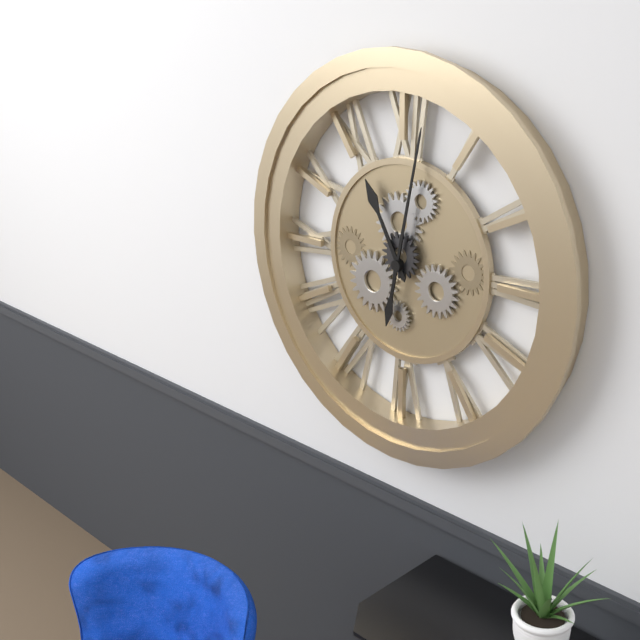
11:02
